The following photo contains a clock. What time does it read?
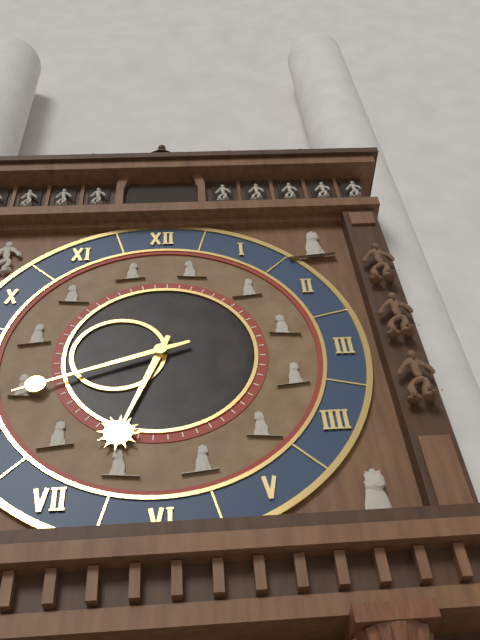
6:42
